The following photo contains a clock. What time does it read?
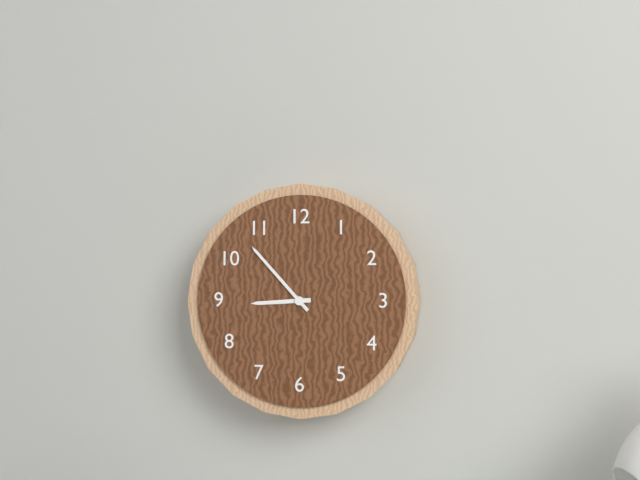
8:53
